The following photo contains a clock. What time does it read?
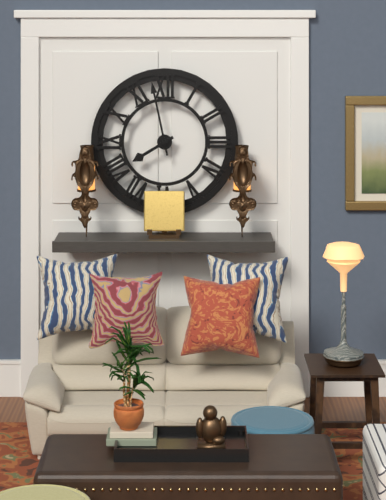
7:58
